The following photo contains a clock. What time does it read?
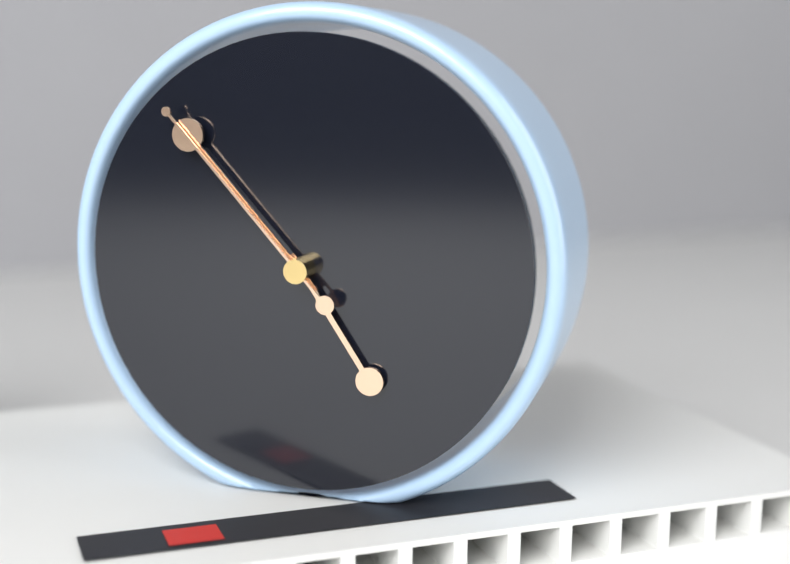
4:53:53
